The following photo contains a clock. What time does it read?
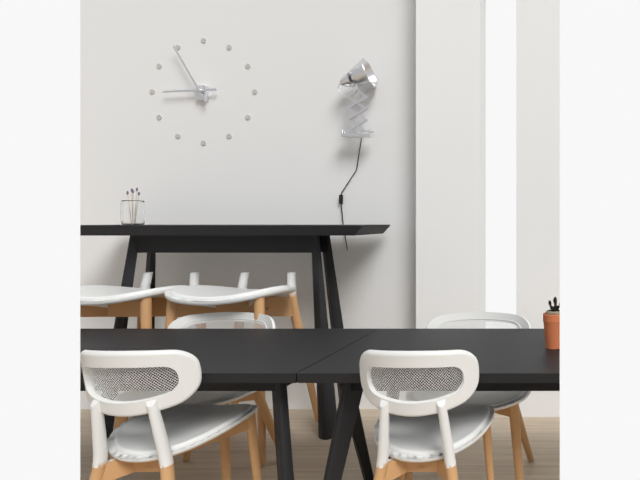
8:55
